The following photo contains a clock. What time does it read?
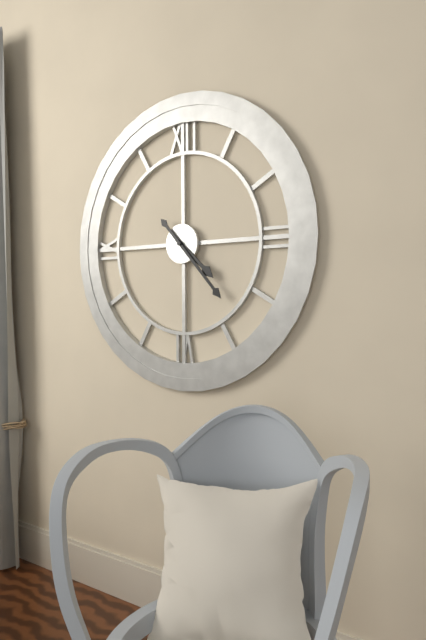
4:23
